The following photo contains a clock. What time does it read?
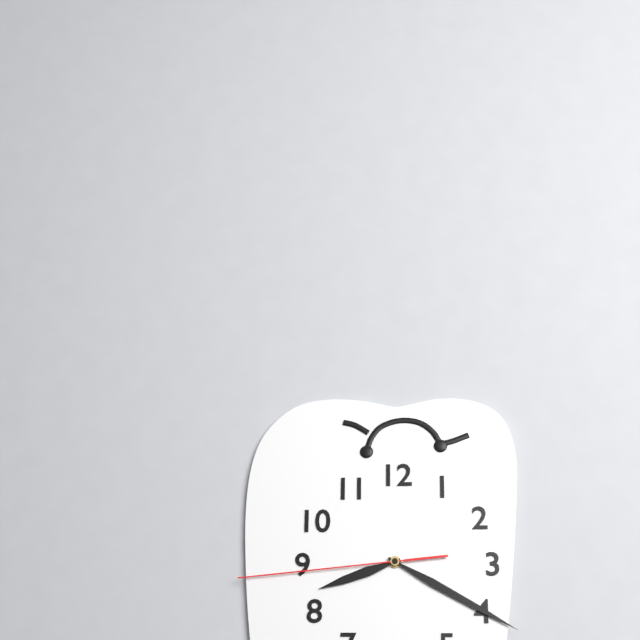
8:20:44
